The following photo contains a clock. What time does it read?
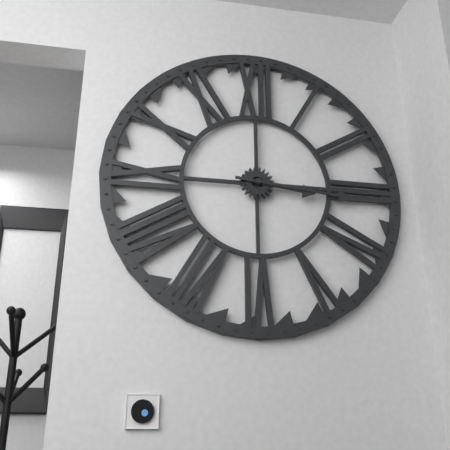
3:16
